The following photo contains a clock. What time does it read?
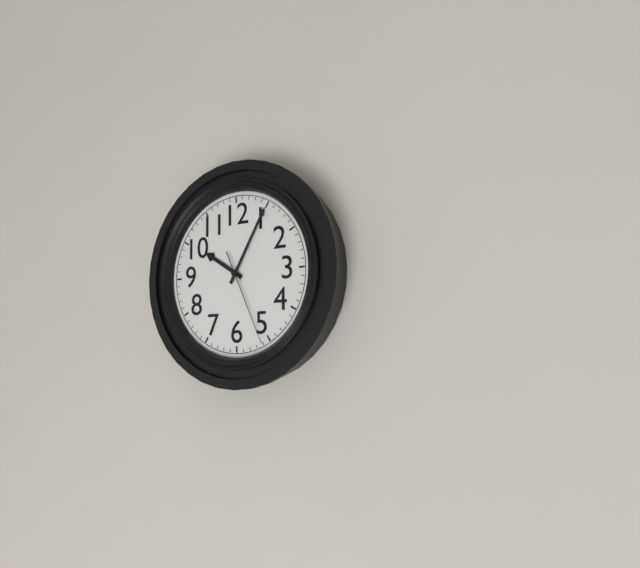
10:05:26
